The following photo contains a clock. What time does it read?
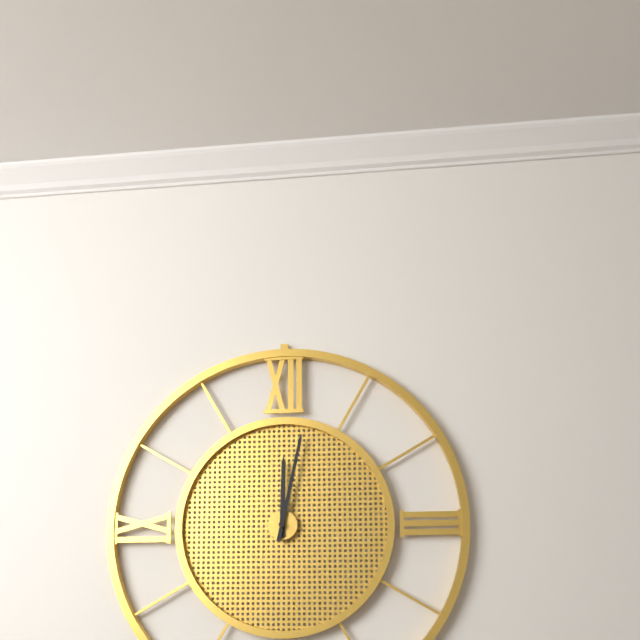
12:02
